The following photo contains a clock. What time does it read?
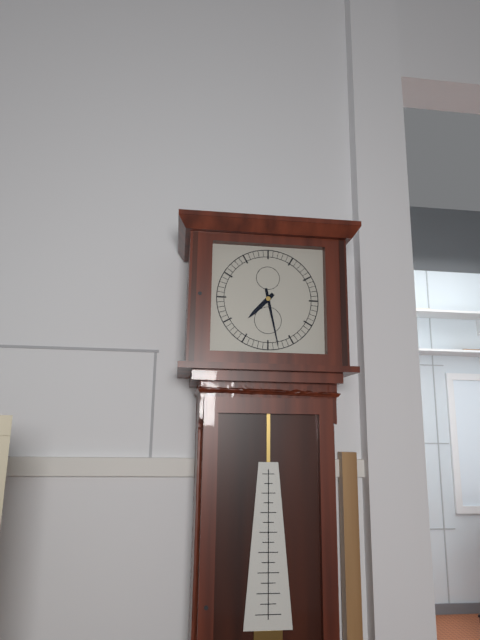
7:28
